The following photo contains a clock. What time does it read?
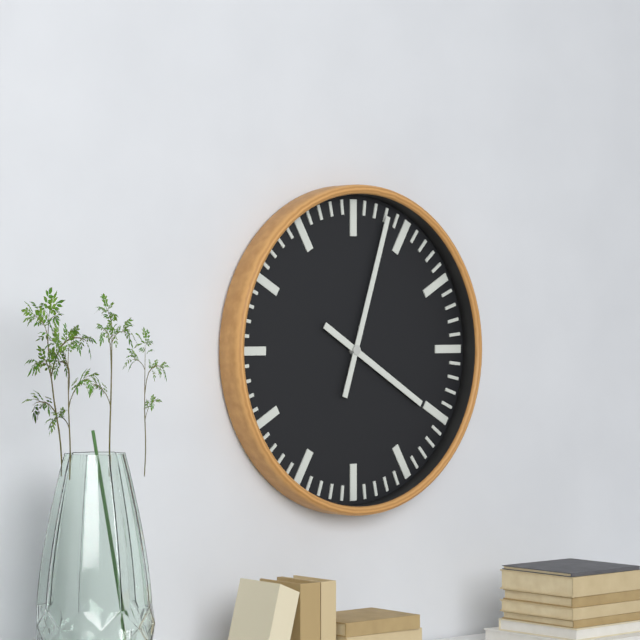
4:03
